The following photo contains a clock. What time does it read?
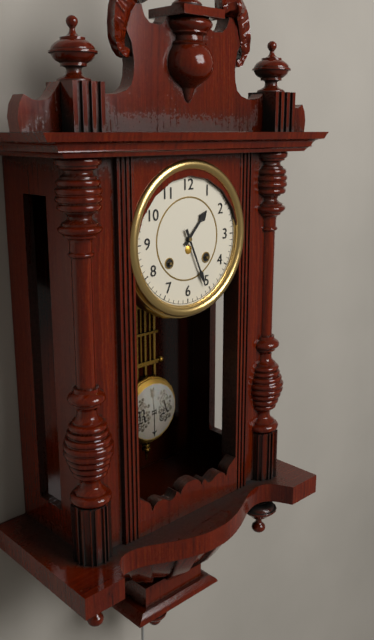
1:26
